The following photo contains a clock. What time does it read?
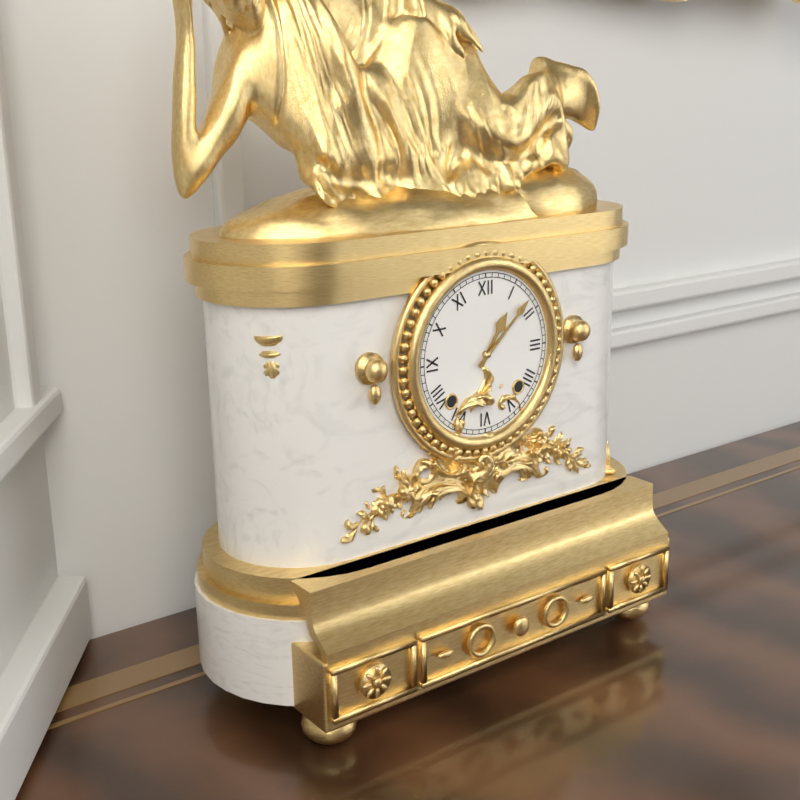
1:08
